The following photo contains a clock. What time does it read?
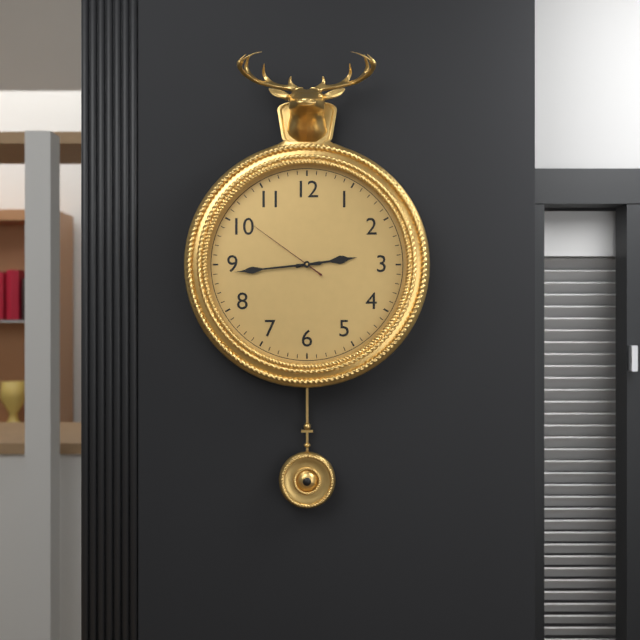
2:44:51
